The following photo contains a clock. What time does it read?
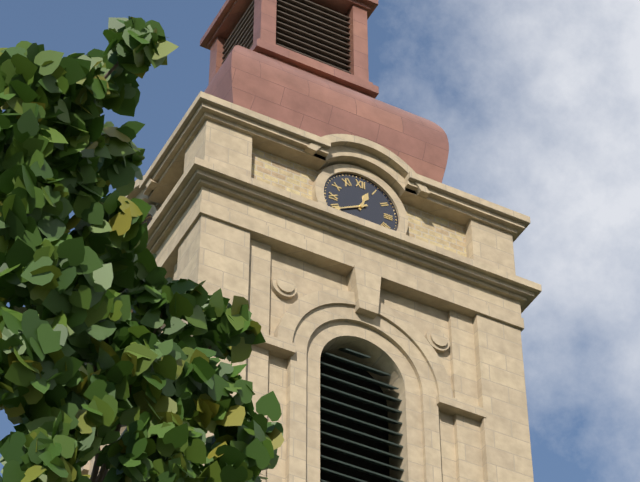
12:40
